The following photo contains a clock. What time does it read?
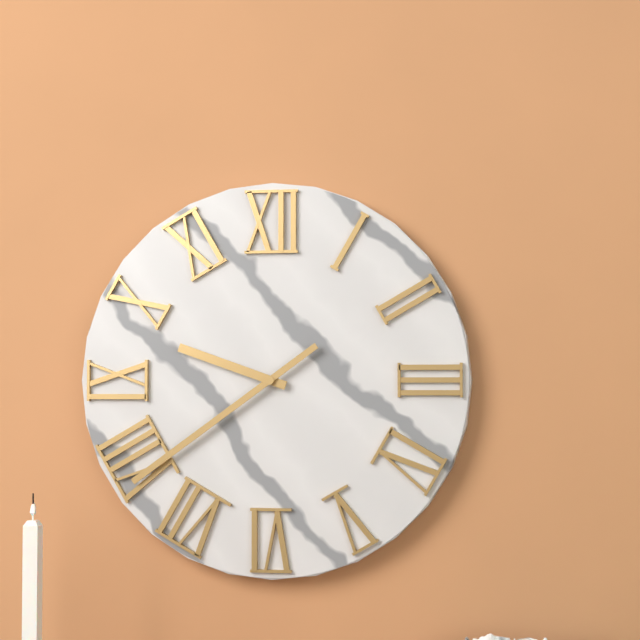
9:39
